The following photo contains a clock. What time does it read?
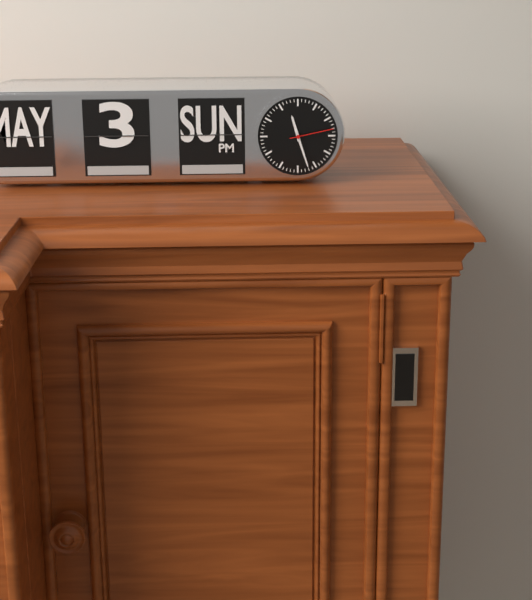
11:27
